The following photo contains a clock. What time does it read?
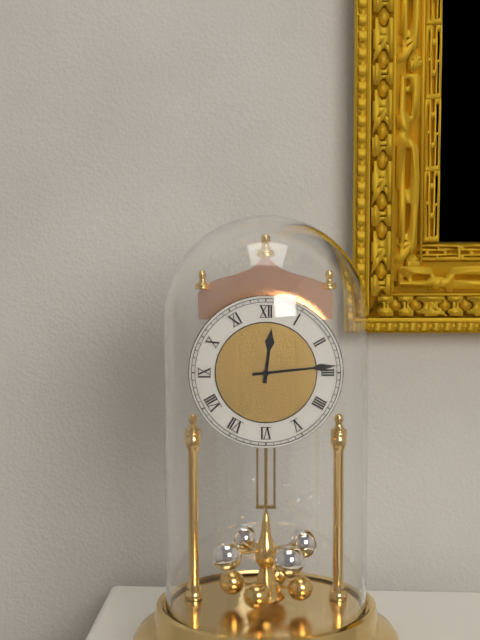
12:14
